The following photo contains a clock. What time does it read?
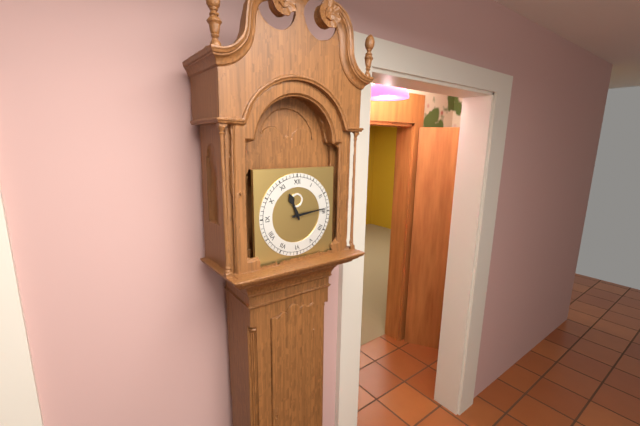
11:14
